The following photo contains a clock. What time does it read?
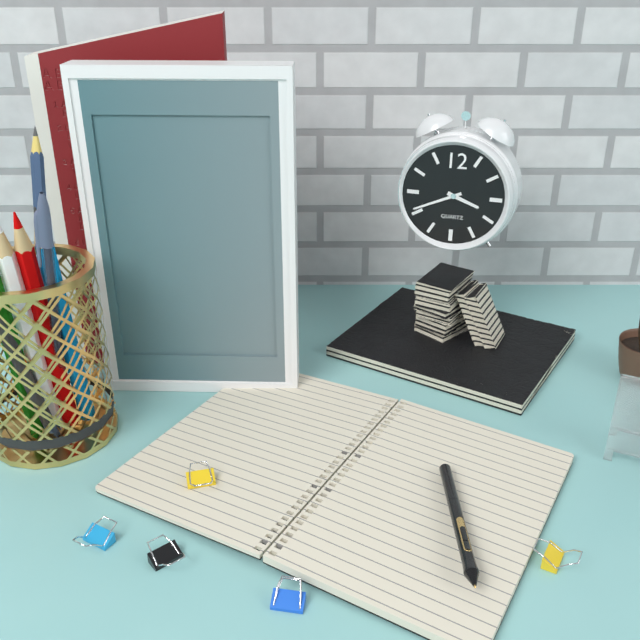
3:41
